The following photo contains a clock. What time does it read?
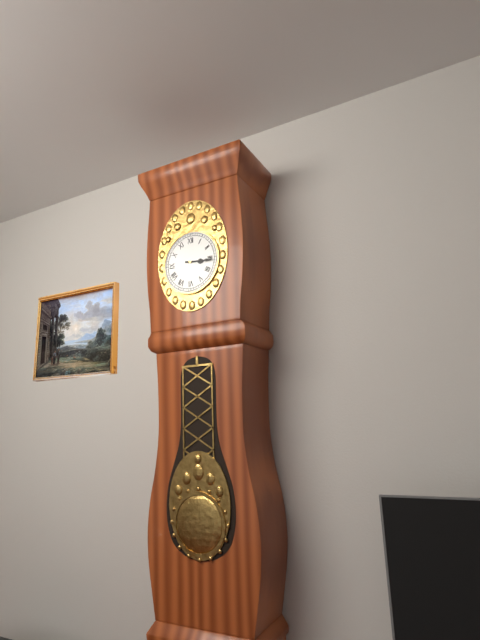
3:16
